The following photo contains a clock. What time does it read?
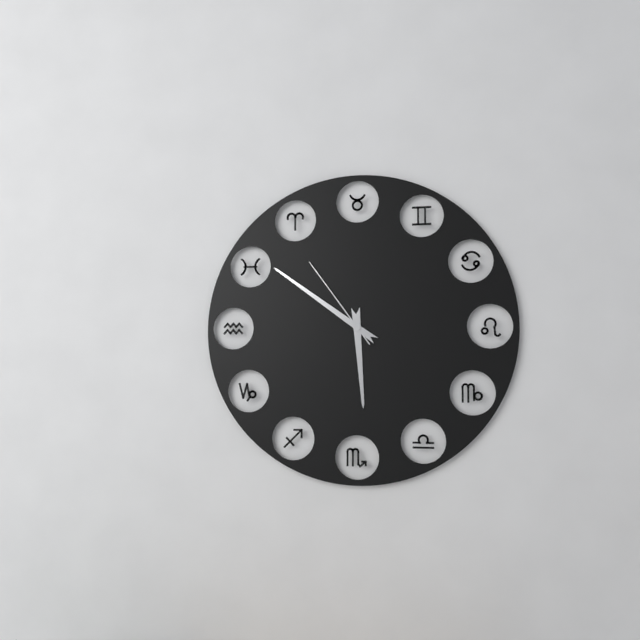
5:51:54
